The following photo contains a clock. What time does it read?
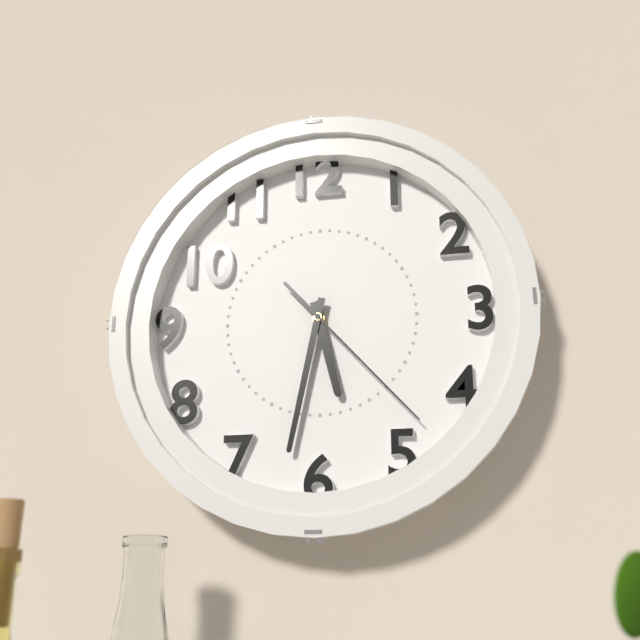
5:32:23
